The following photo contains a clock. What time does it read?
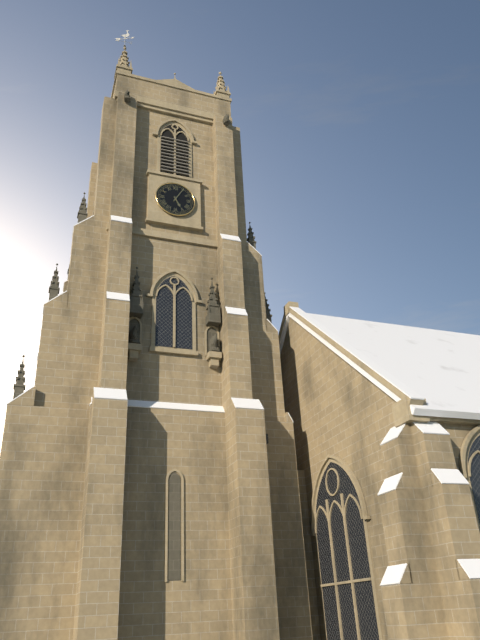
5:05
